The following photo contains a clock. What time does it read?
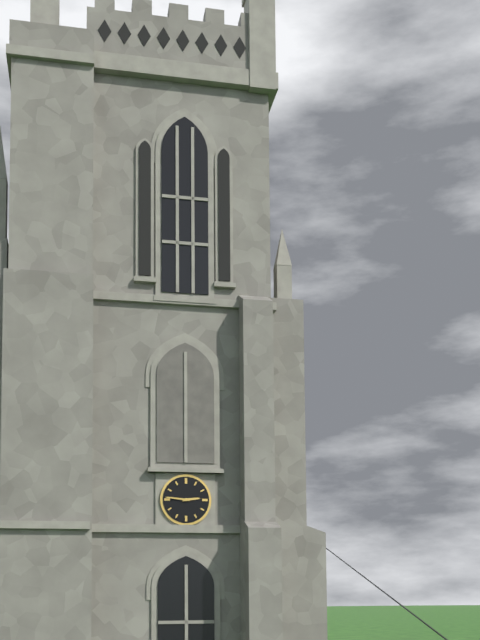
2:46
